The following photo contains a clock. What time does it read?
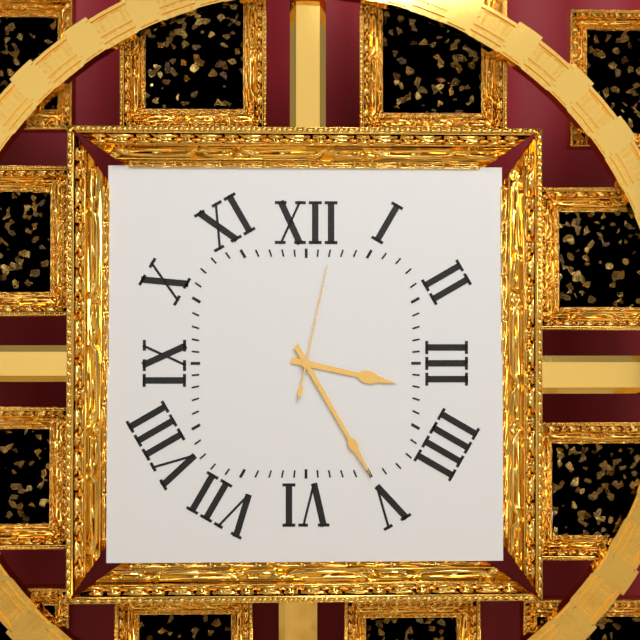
3:25:02
